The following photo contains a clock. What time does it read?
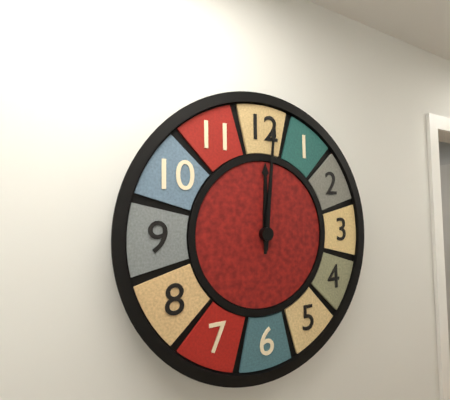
12:01
